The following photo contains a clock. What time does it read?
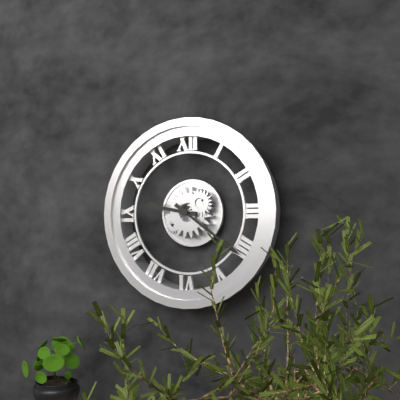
9:21
